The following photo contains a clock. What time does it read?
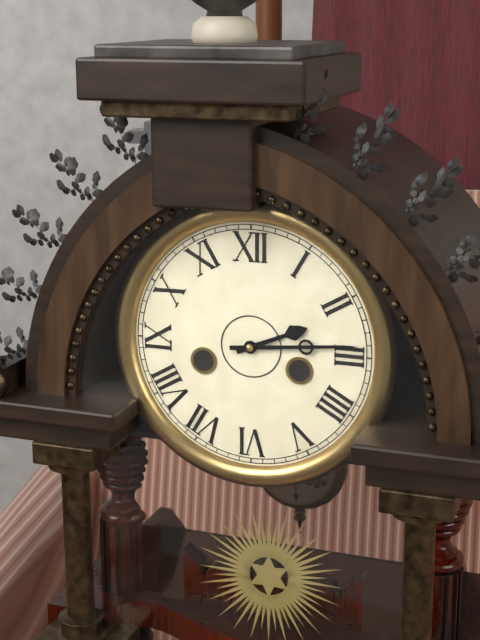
2:14
